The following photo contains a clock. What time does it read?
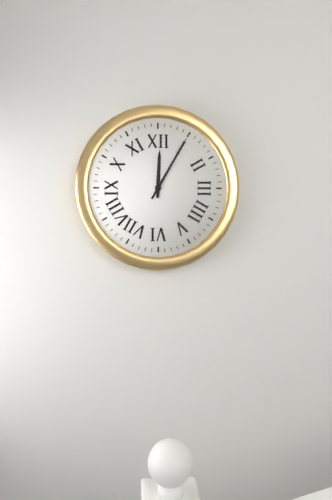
12:05
